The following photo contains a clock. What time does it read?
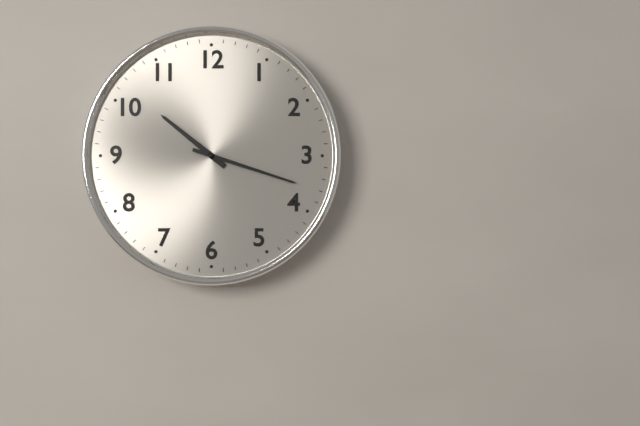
10:18
